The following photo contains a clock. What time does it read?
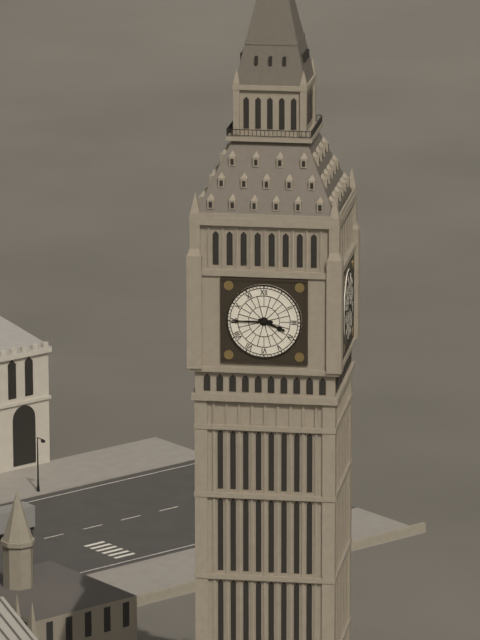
3:45
